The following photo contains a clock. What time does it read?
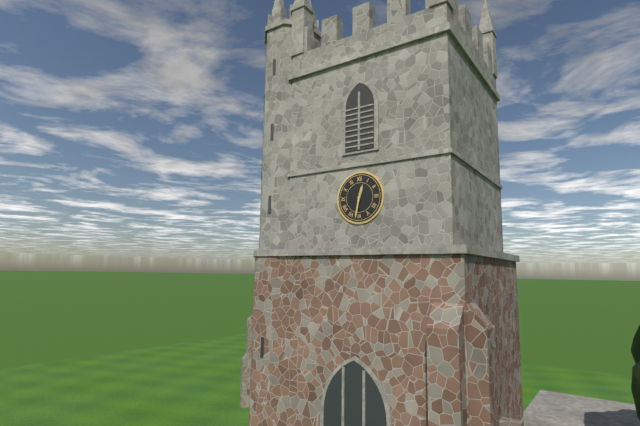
12:32
